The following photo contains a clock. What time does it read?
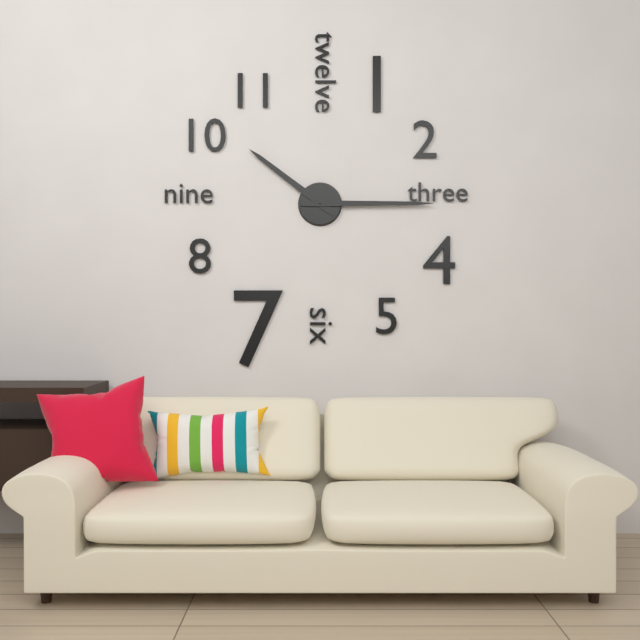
10:15
